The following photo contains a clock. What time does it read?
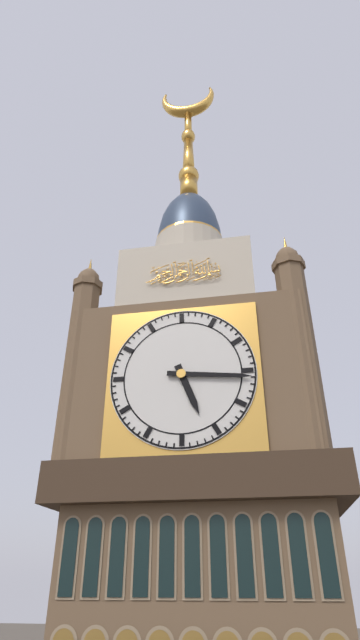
5:16
